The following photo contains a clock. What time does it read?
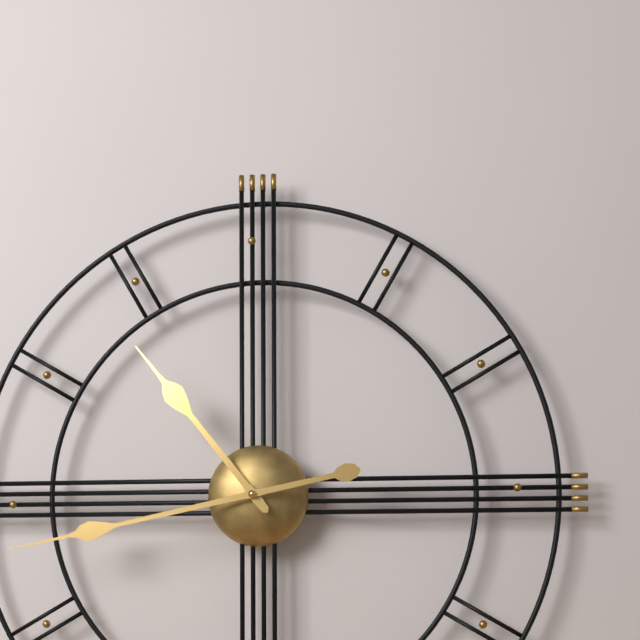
10:43
